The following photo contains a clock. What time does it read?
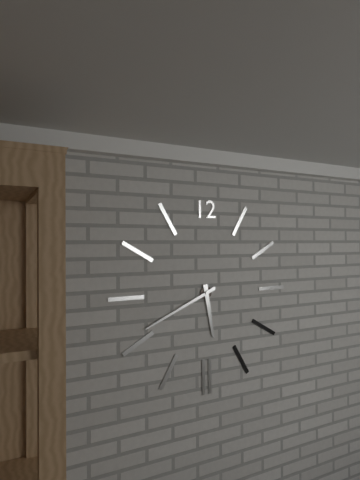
5:41
